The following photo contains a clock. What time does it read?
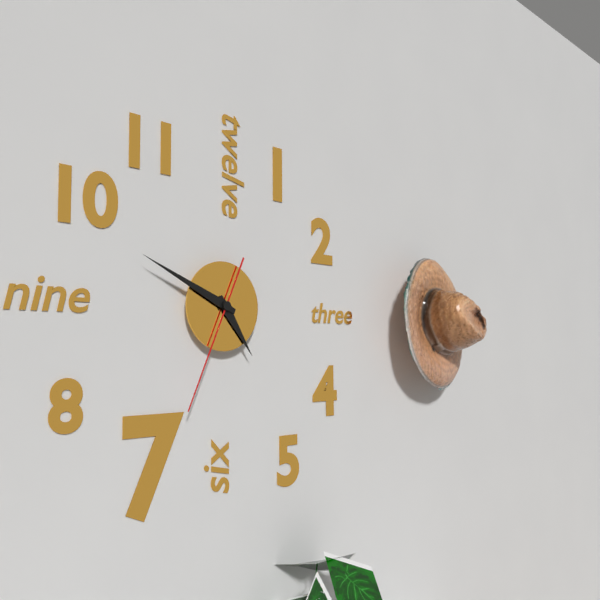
4:49:34
